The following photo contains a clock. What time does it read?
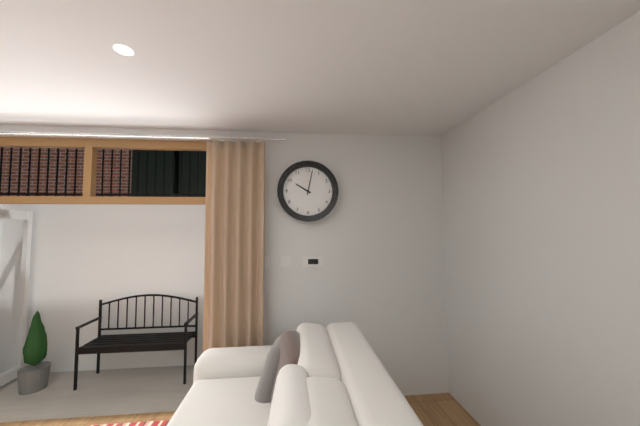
10:02
